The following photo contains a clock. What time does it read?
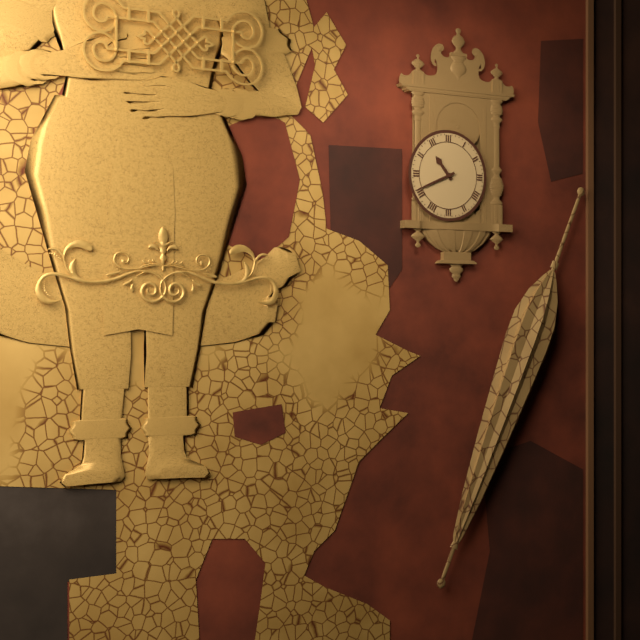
10:41
